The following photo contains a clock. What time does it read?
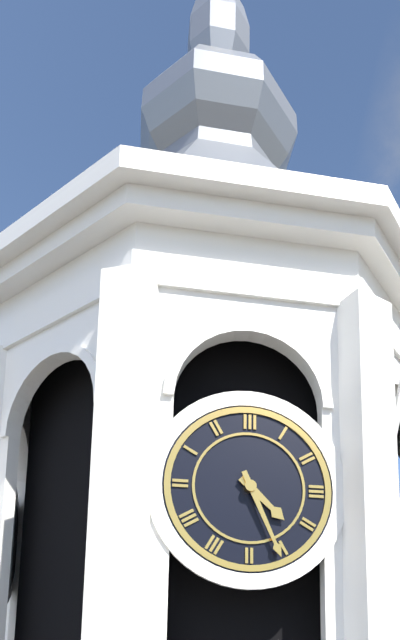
4:26
